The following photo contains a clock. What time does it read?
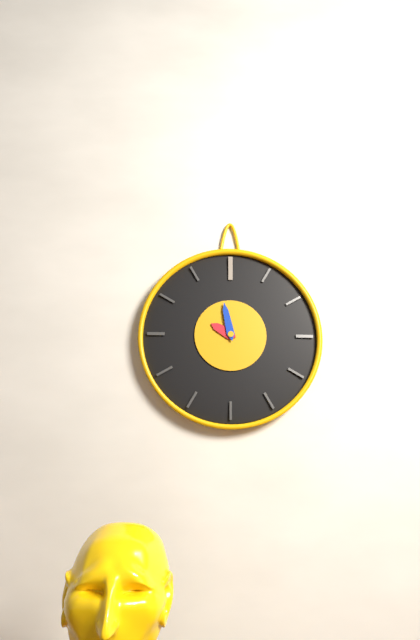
9:58
